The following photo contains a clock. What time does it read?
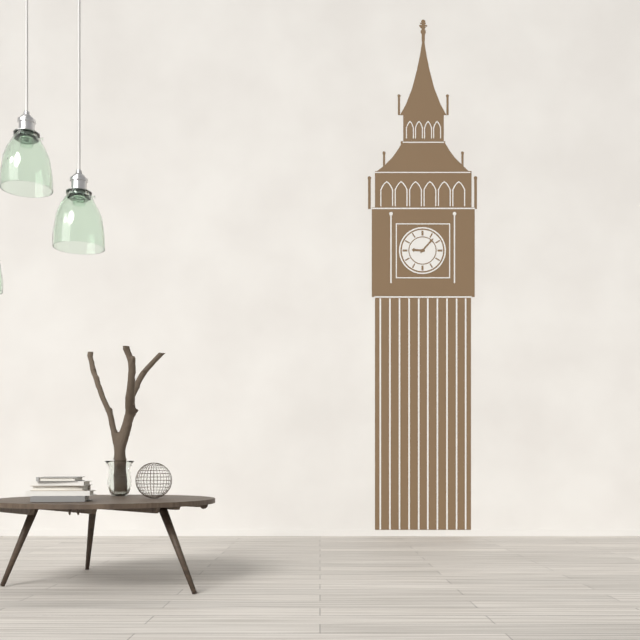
9:07
